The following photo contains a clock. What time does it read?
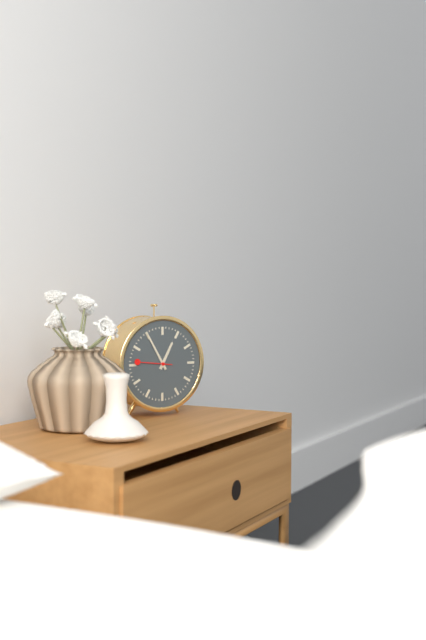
12:55
